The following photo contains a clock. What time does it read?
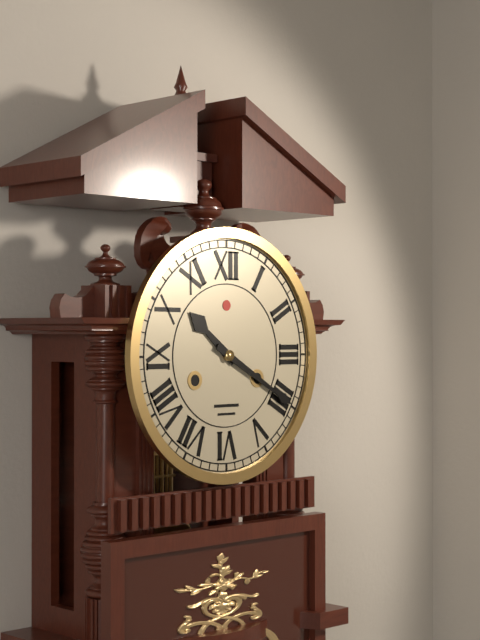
10:20
